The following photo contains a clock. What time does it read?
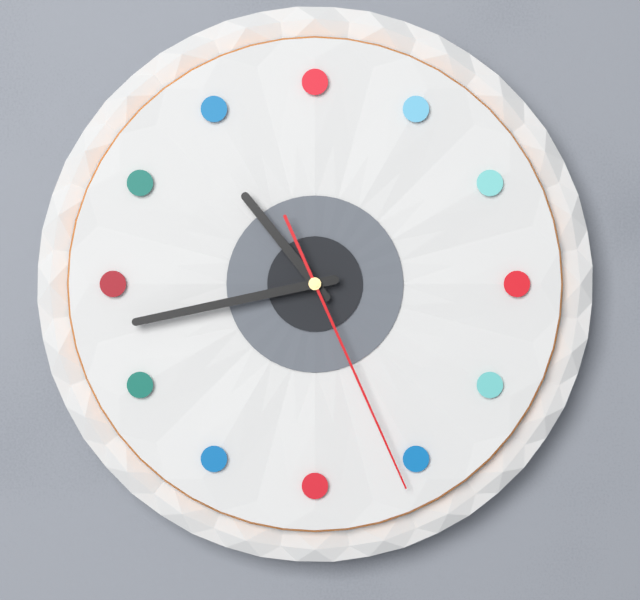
10:43:26
